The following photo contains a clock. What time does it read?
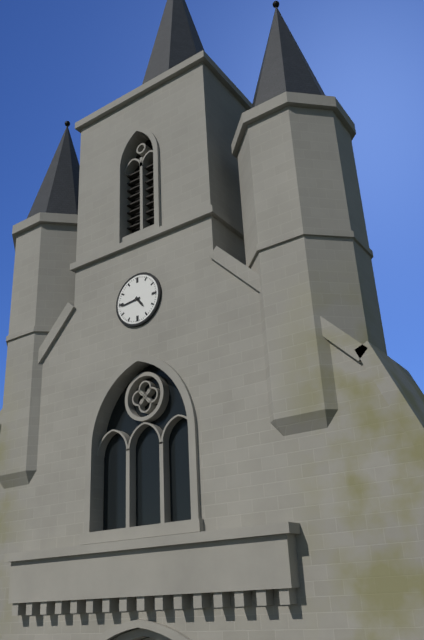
4:44
